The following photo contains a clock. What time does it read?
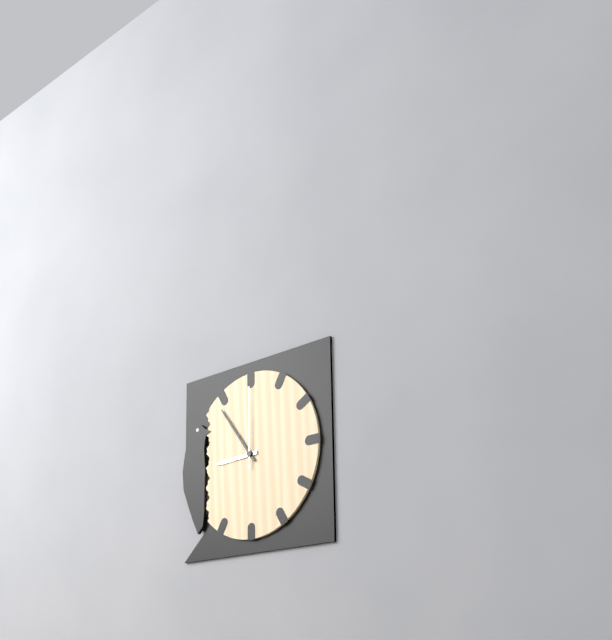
8:54:00
